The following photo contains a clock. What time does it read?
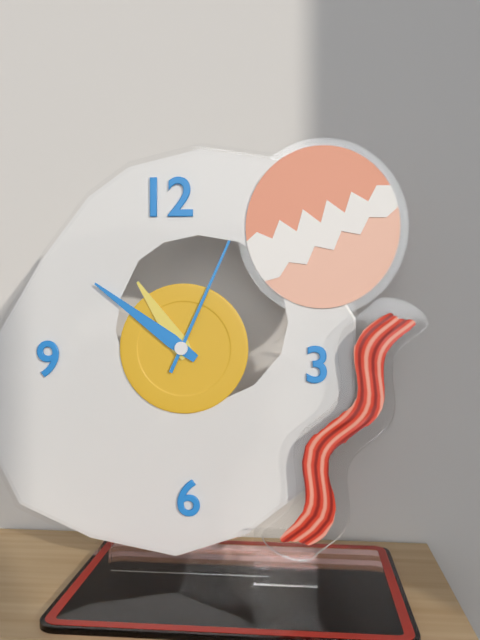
10:51:04
